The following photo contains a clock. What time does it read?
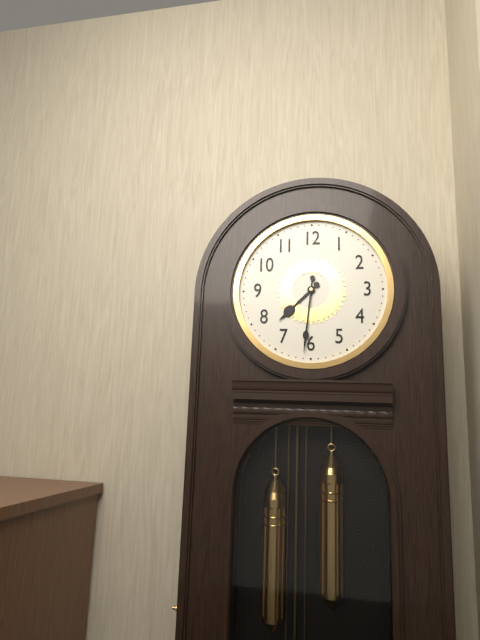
7:31
